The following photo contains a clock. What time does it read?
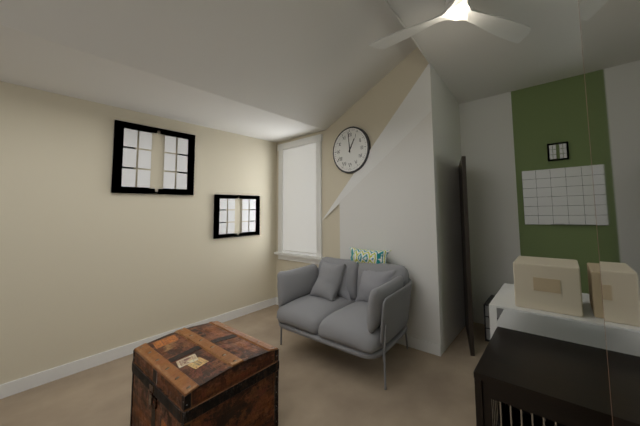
12:59
